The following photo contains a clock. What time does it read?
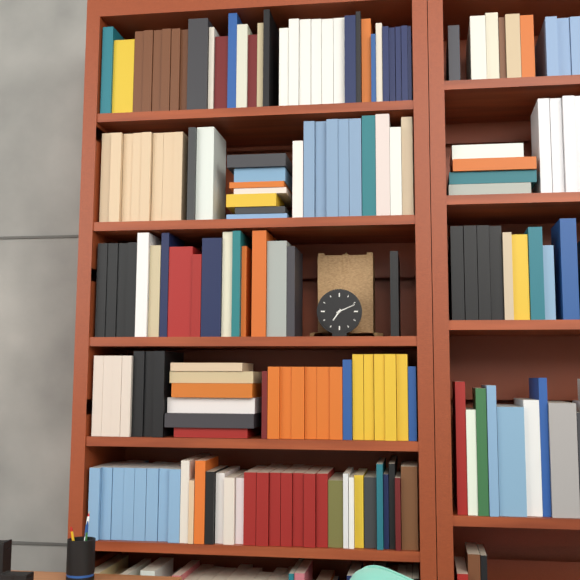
7:11
